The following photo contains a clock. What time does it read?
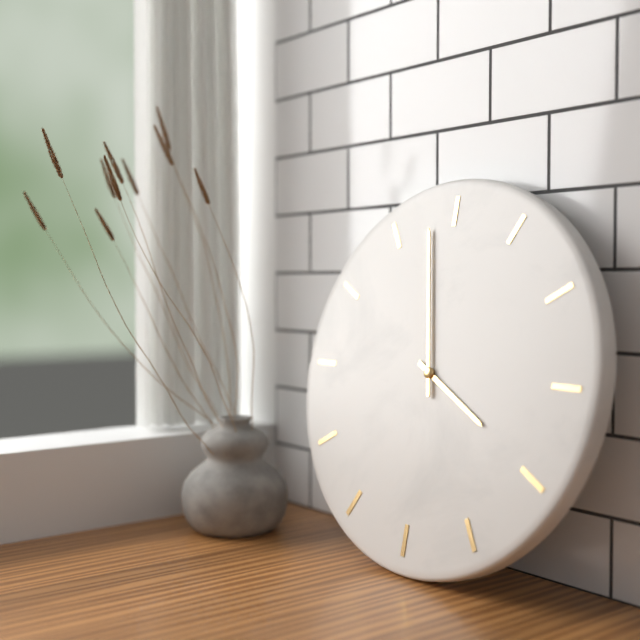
3:58
